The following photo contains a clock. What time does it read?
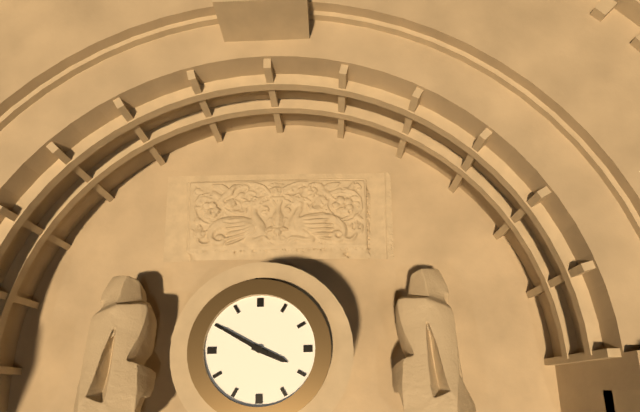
3:50
